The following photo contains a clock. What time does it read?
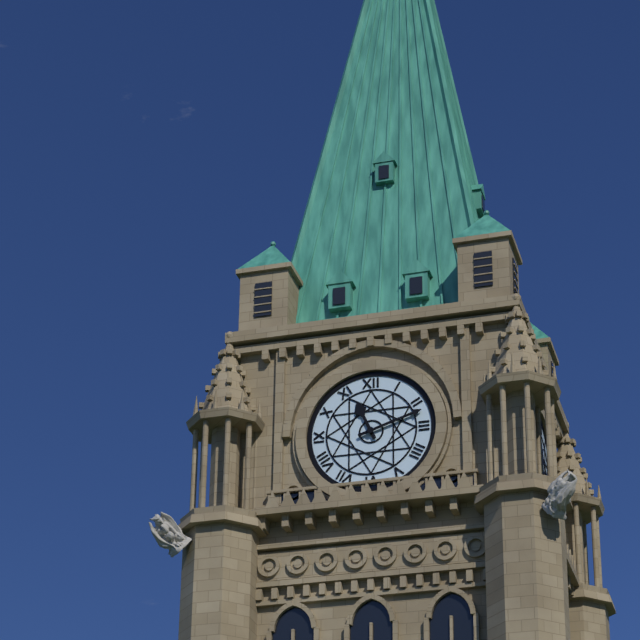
11:12
